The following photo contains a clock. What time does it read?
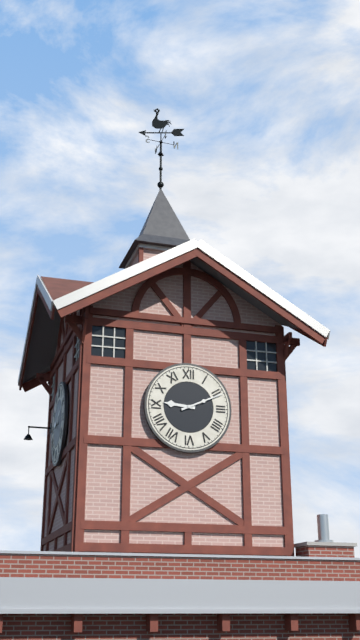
9:11
